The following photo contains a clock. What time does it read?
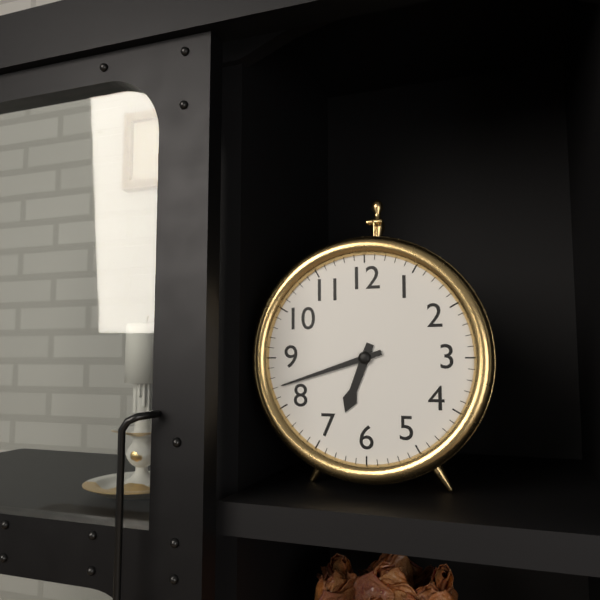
6:42
